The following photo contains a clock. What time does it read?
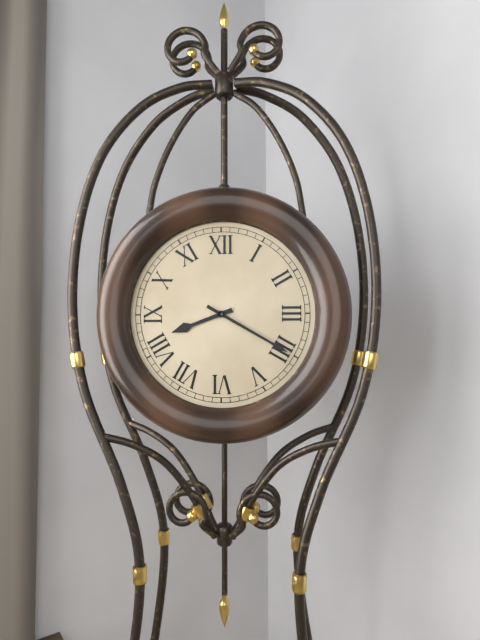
8:20
